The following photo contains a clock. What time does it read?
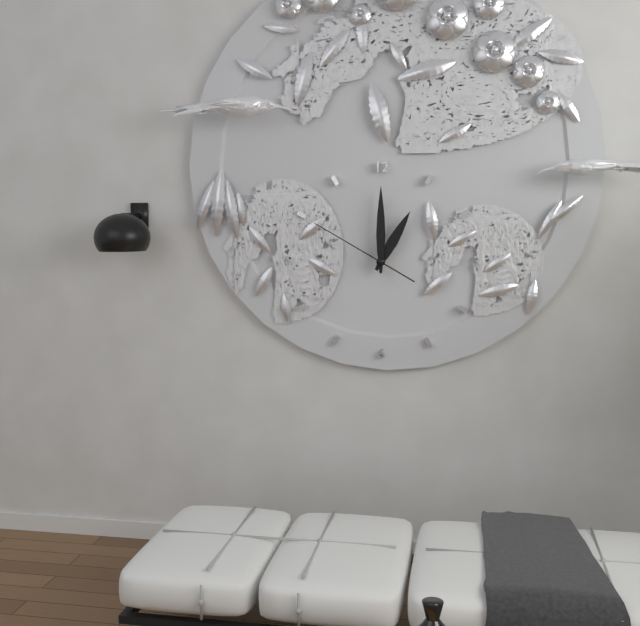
1:00:50
